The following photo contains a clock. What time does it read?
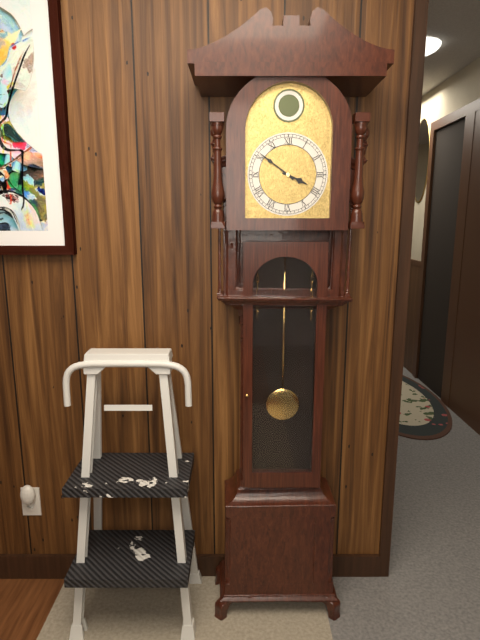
3:51
